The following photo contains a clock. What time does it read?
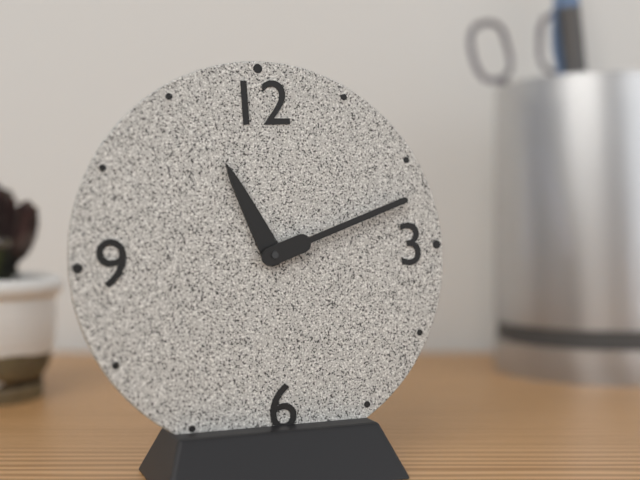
11:12
